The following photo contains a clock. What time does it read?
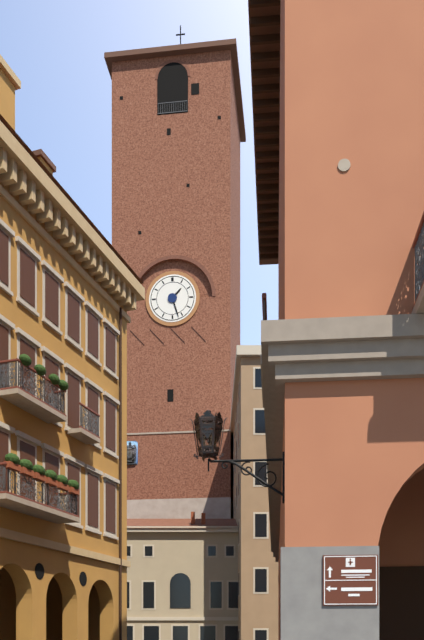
1:27
